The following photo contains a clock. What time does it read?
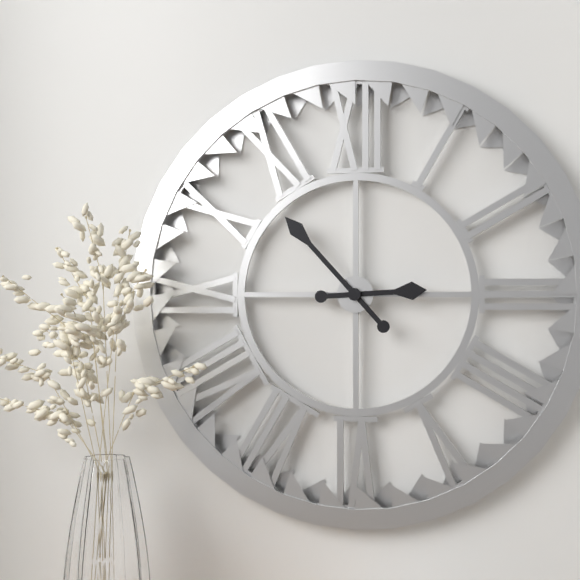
2:53
